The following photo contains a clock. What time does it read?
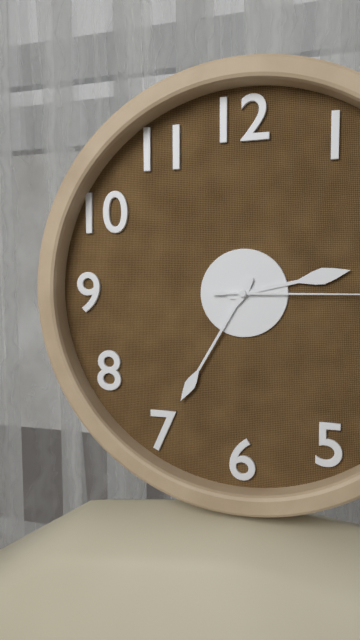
2:35
